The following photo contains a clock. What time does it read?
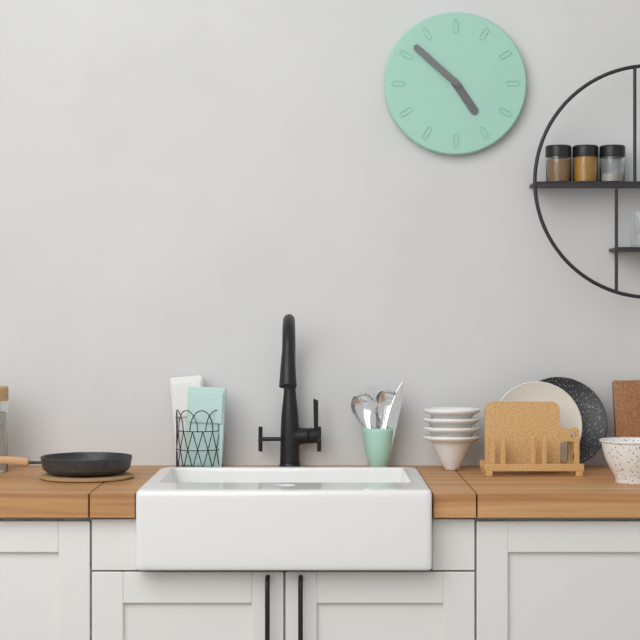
4:52
